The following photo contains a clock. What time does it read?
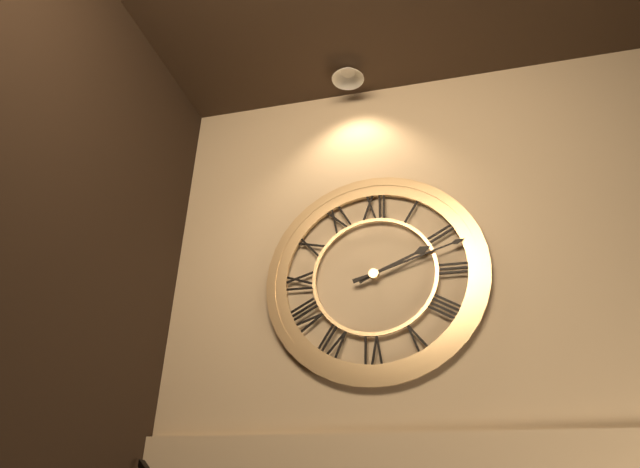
2:12
